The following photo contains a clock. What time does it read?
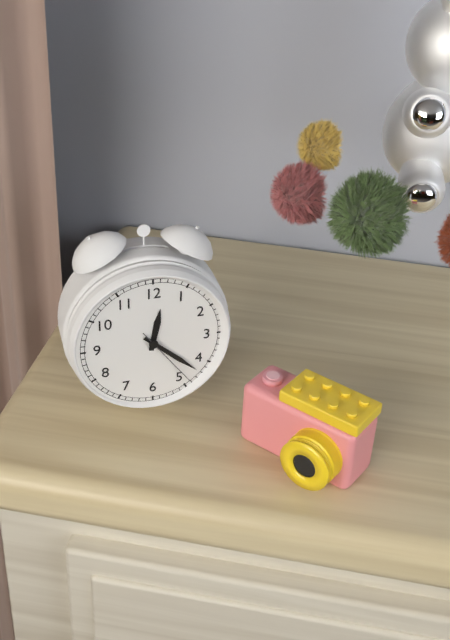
12:22:24
